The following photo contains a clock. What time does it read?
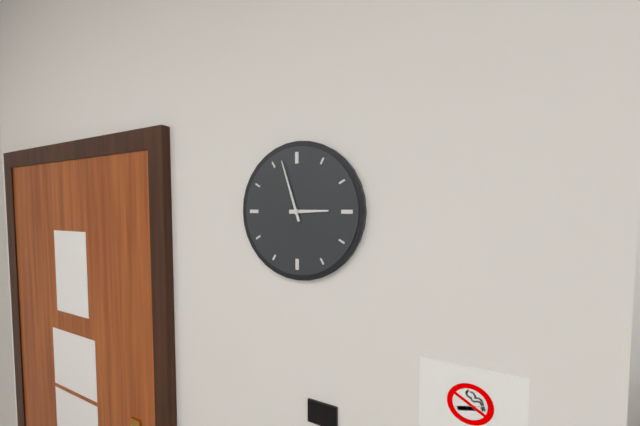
2:57
